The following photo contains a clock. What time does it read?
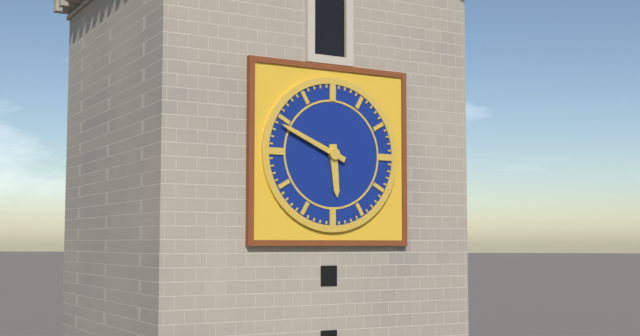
5:49
